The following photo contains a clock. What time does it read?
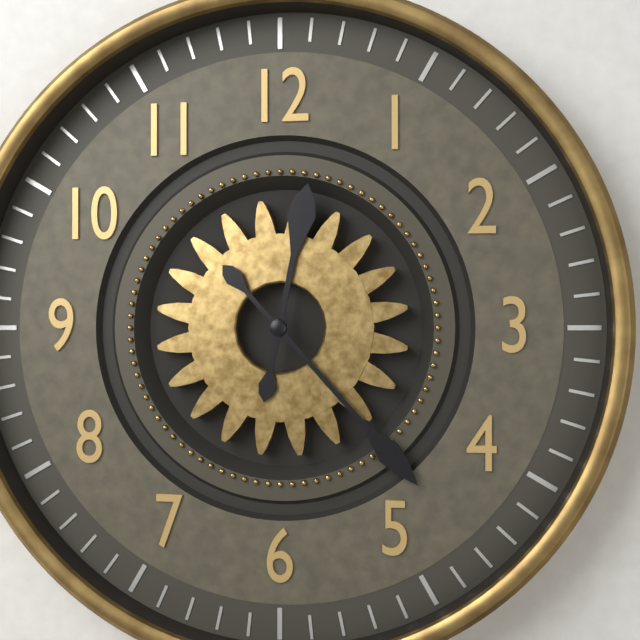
12:23
